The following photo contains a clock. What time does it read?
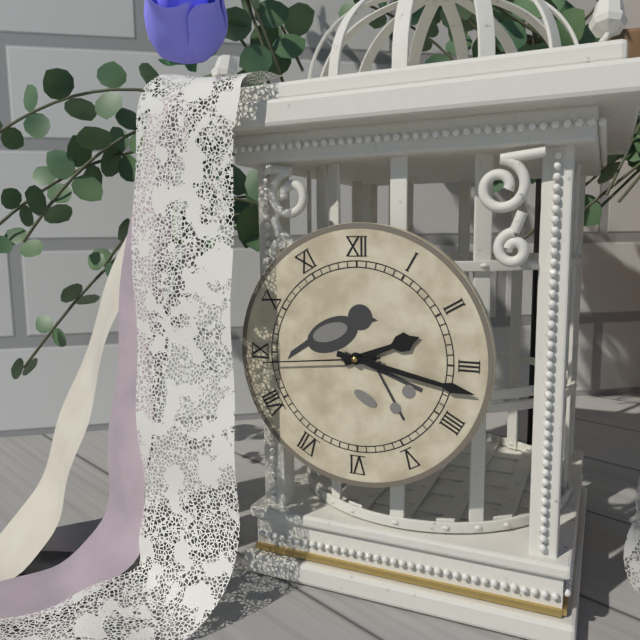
2:17:44
